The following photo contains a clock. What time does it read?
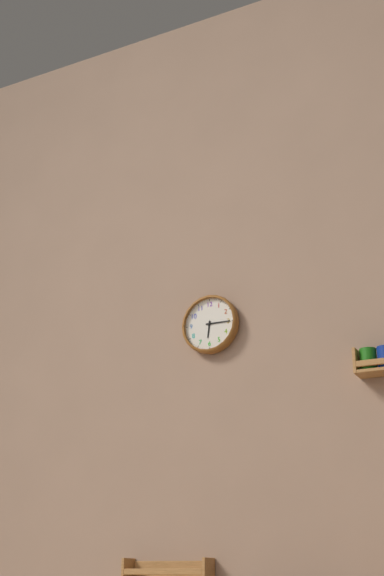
6:15
